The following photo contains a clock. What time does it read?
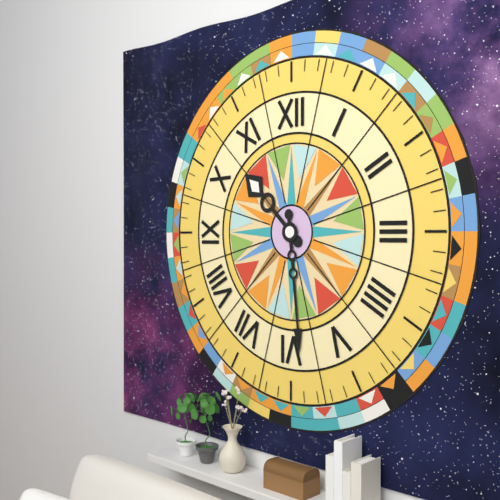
10:29
